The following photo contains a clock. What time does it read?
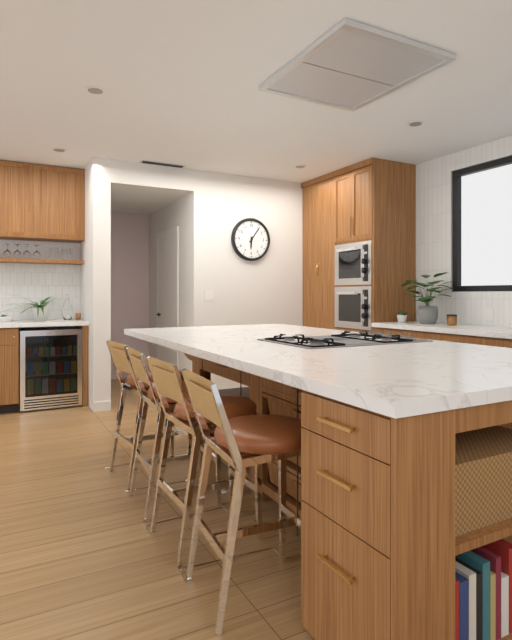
6:06
